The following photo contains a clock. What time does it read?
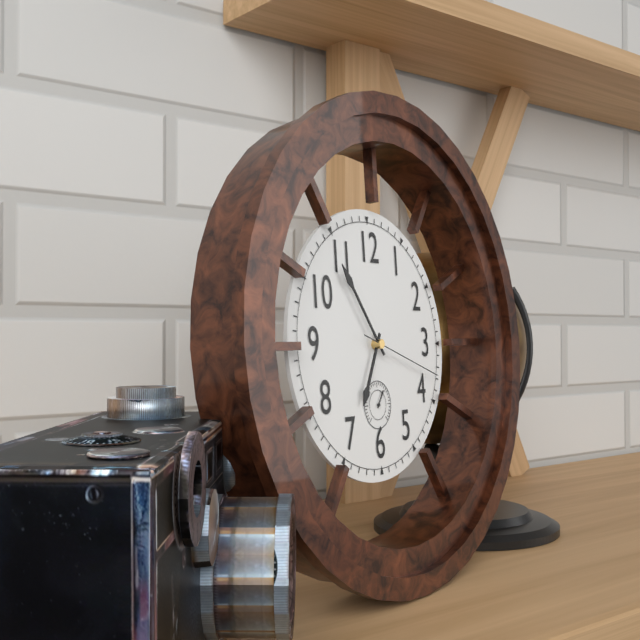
6:54:18
